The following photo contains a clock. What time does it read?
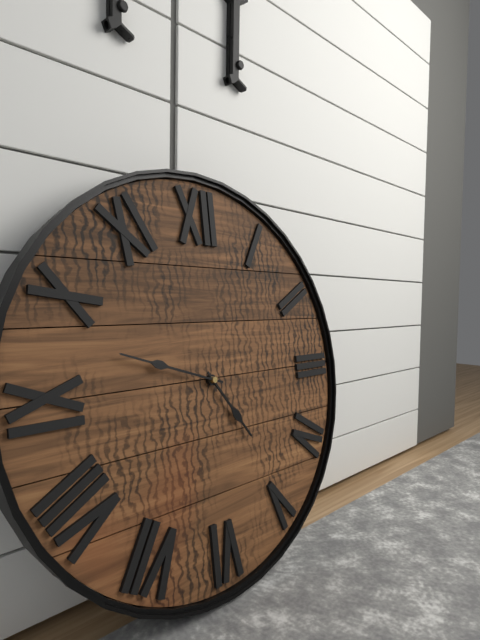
4:48
